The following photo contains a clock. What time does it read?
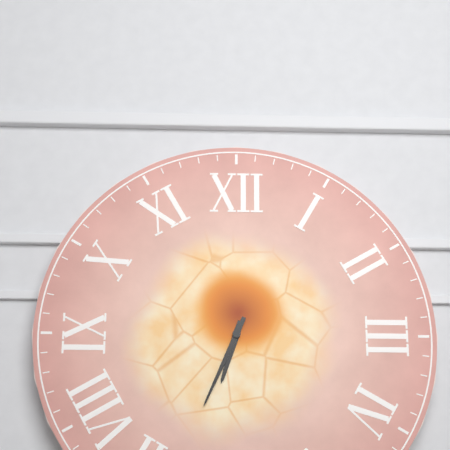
6:34
